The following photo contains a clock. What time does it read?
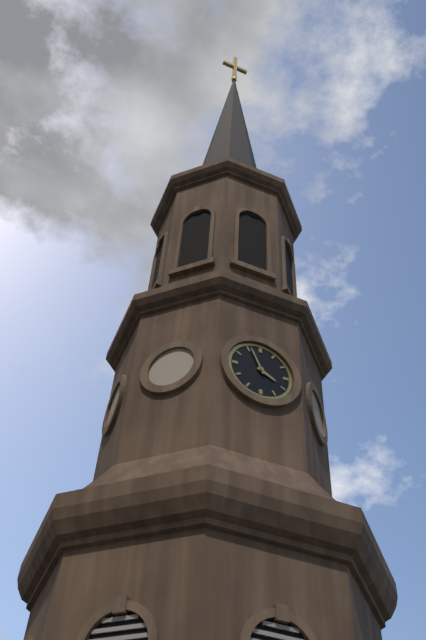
3:56
